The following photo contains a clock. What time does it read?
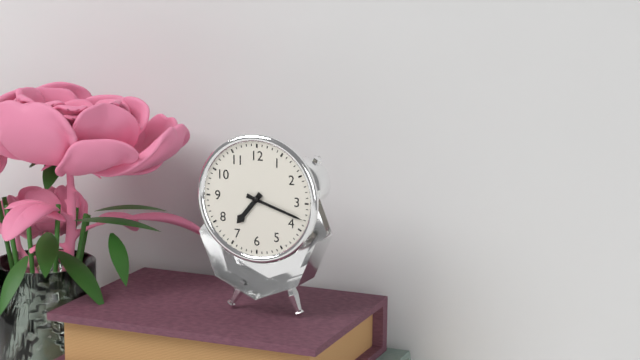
7:18
